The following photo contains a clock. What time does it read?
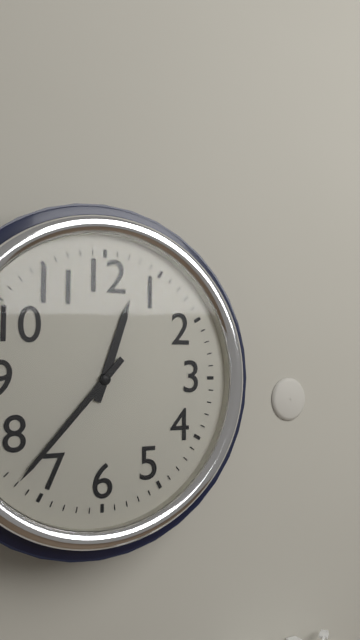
12:37
